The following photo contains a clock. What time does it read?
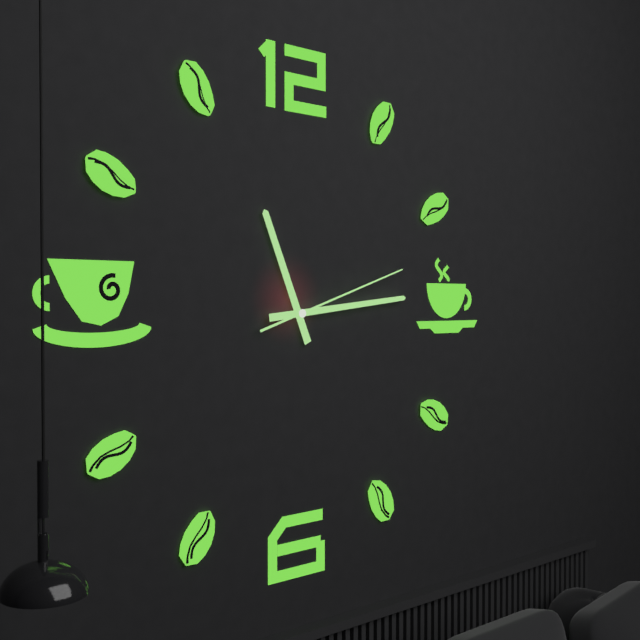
11:14:12
